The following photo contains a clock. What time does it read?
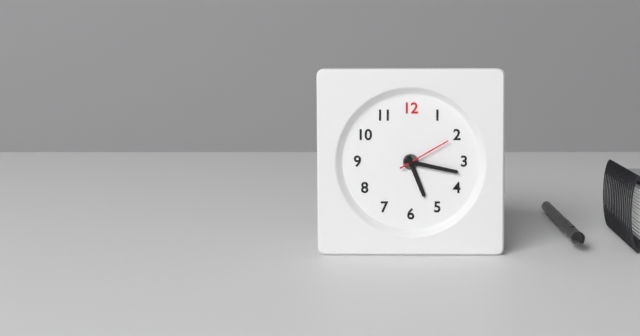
5:17:10
